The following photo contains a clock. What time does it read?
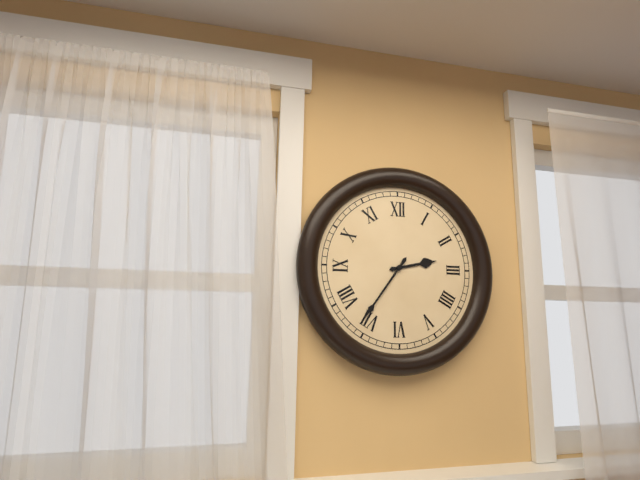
2:36
